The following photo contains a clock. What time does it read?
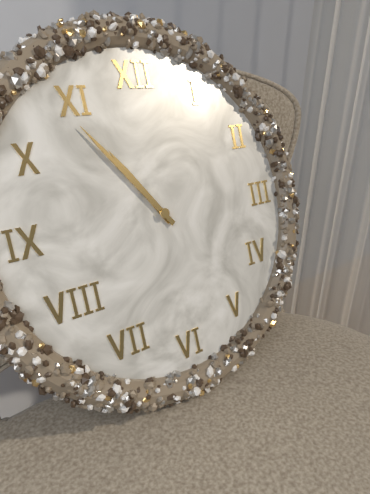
10:54
